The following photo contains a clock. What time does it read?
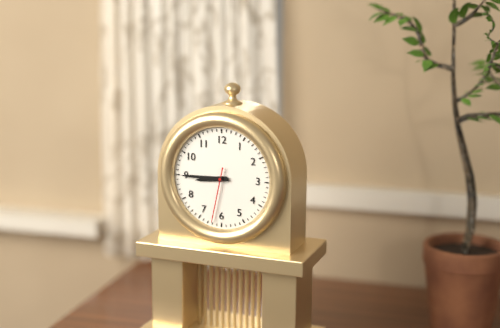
8:45:32
